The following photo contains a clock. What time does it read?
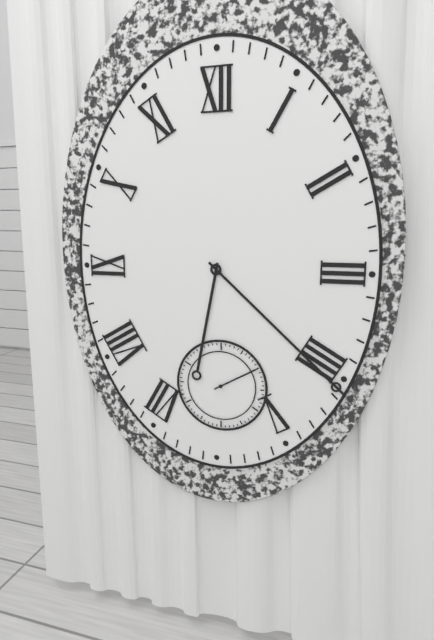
6:22
